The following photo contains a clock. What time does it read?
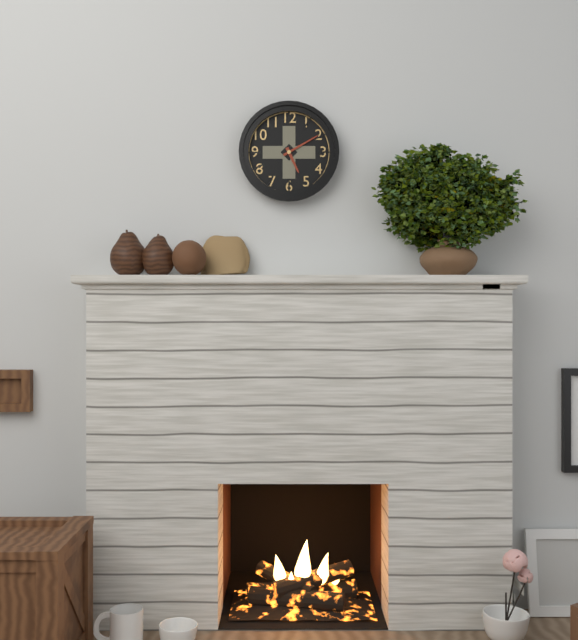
5:10
